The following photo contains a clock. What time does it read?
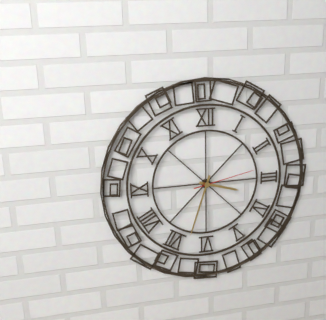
3:33:13
